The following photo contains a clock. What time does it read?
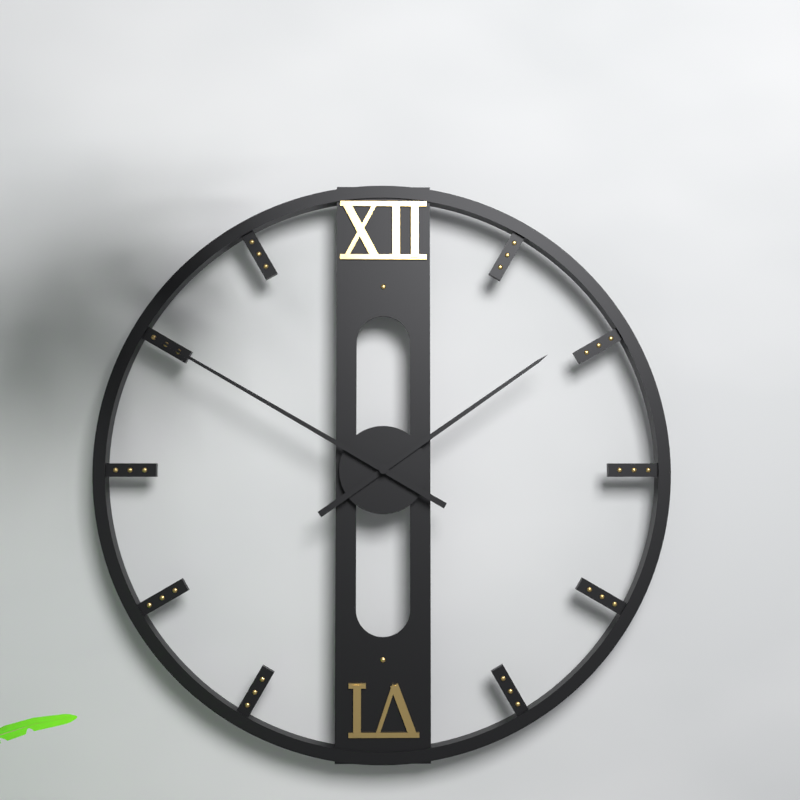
1:50
